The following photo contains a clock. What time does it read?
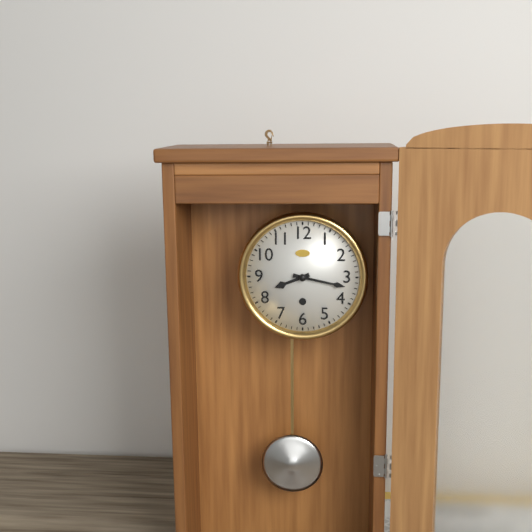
8:17
